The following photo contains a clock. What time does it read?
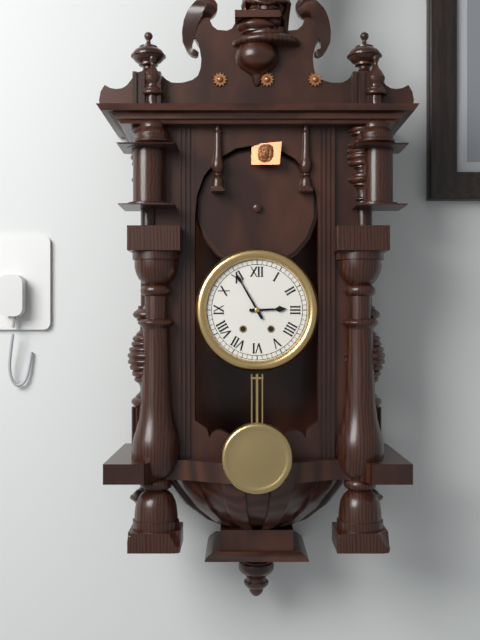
2:55
